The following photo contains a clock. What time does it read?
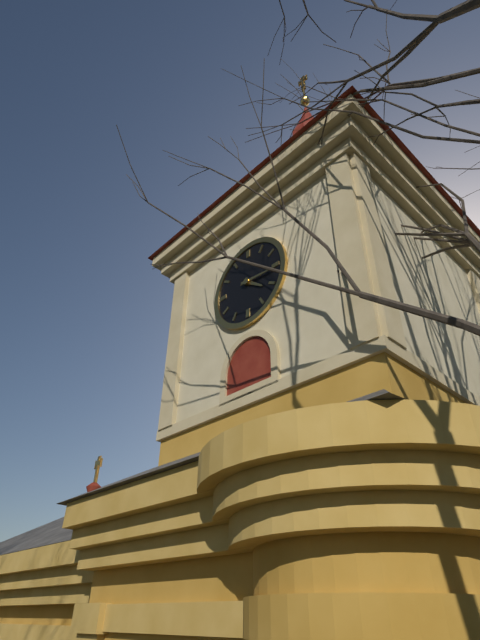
4:16
